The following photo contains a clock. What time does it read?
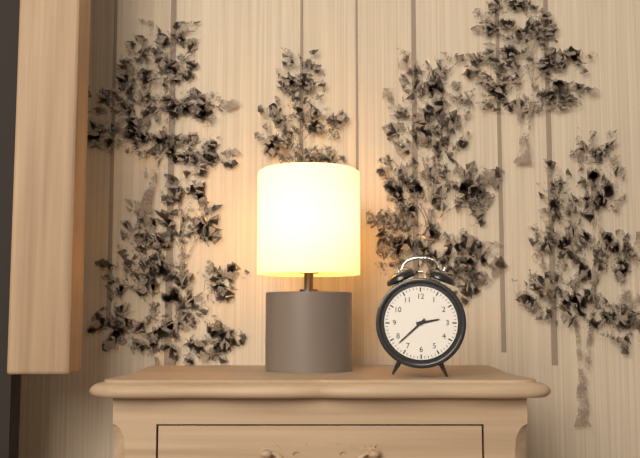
2:38
